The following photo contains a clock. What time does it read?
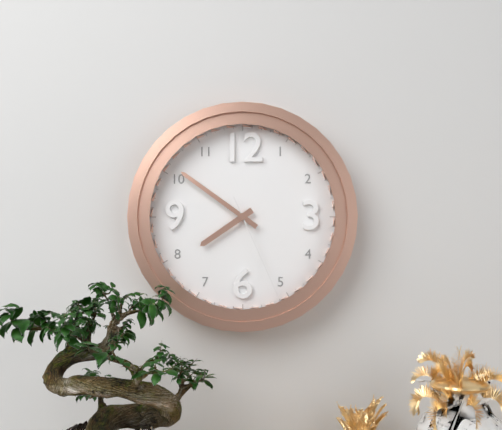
7:51:26
